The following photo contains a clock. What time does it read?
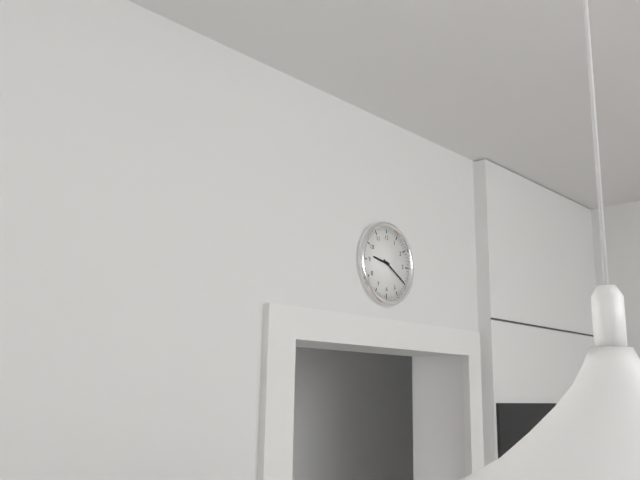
9:20
